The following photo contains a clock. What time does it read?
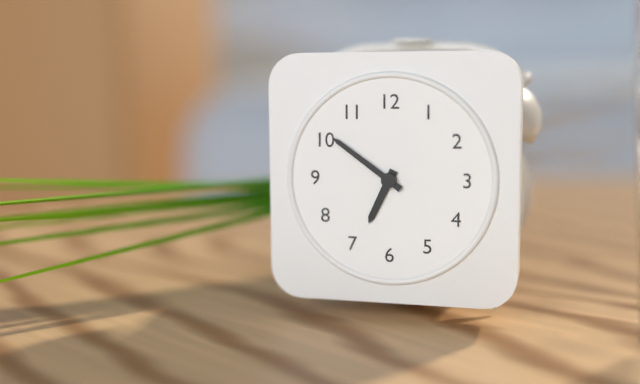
6:51
